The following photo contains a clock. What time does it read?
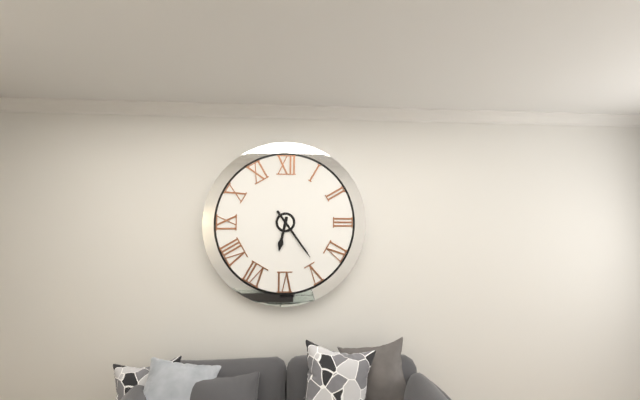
6:24
